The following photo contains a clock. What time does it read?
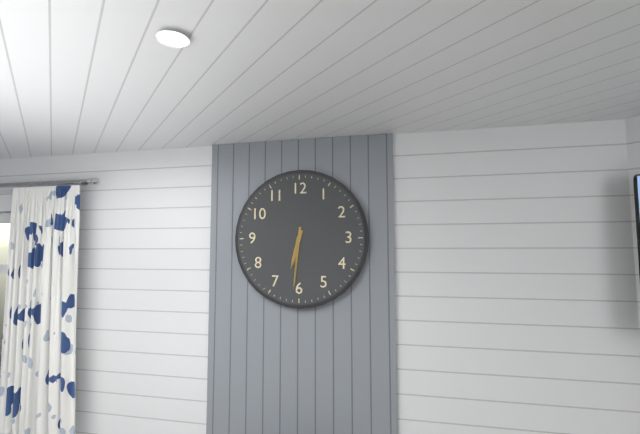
6:31
